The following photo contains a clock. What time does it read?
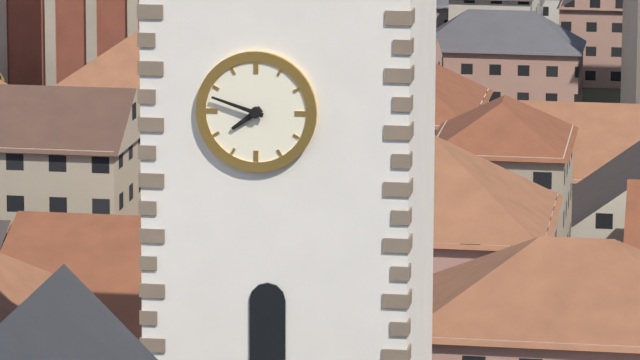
7:48
